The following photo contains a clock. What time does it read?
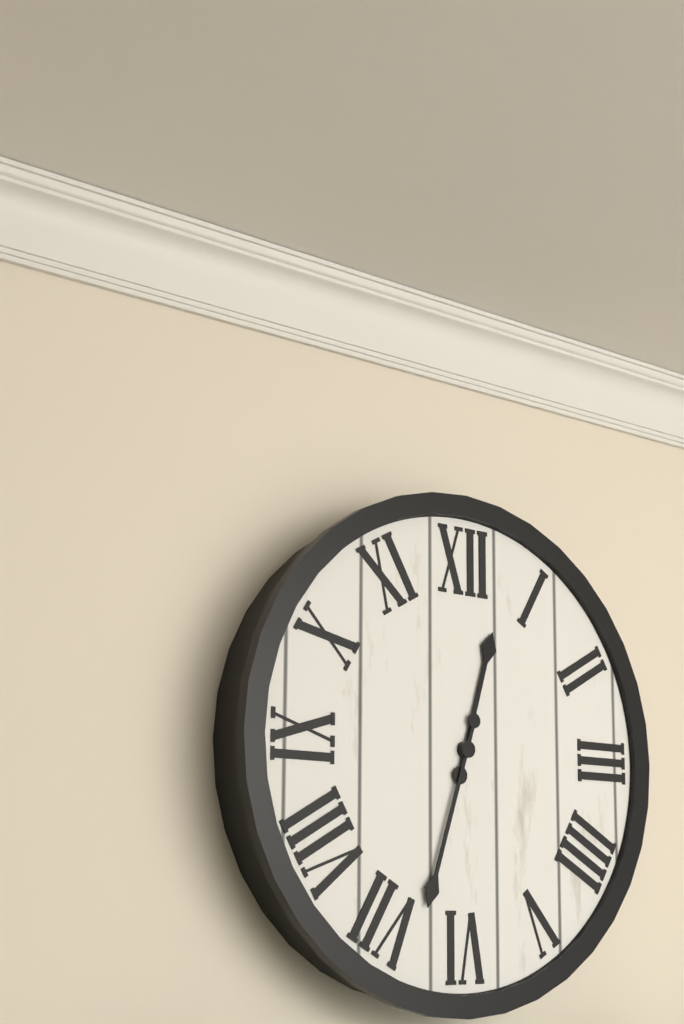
12:33
